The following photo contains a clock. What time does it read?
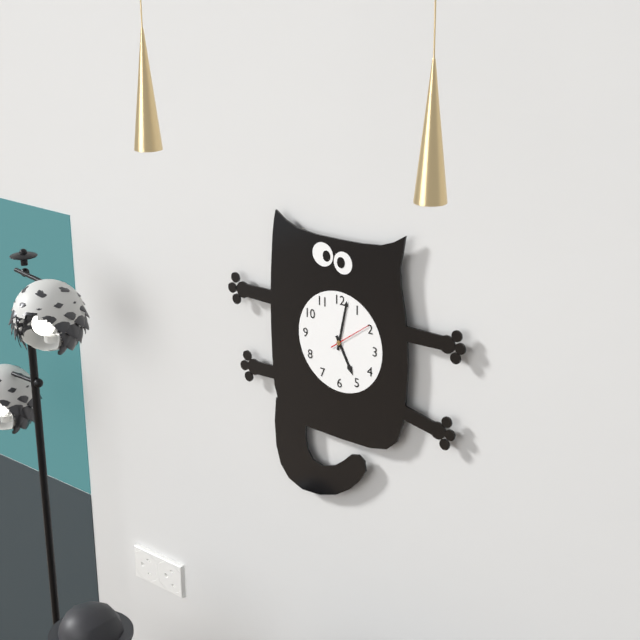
5:02
